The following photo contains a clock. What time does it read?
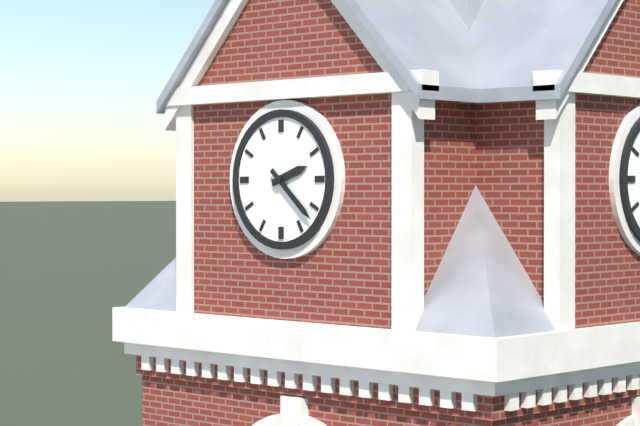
2:22
